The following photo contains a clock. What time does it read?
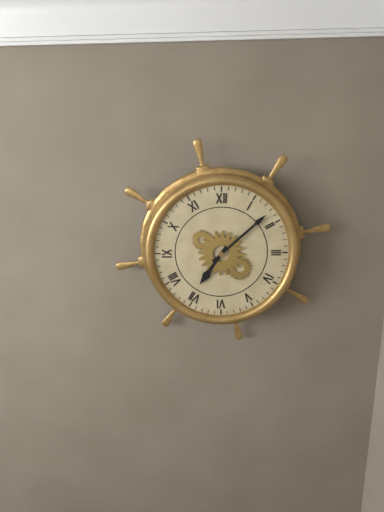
7:08
